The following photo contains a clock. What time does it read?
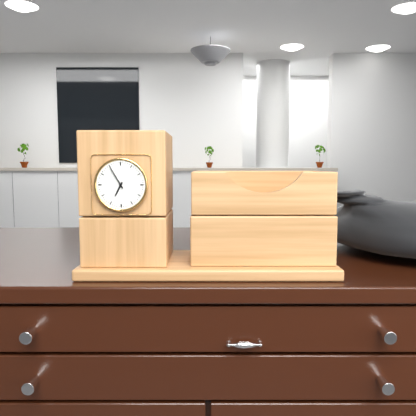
6:55
